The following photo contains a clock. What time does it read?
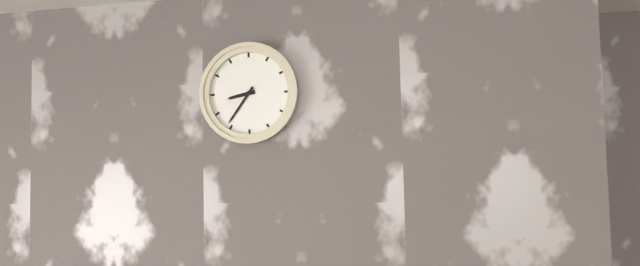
8:36
